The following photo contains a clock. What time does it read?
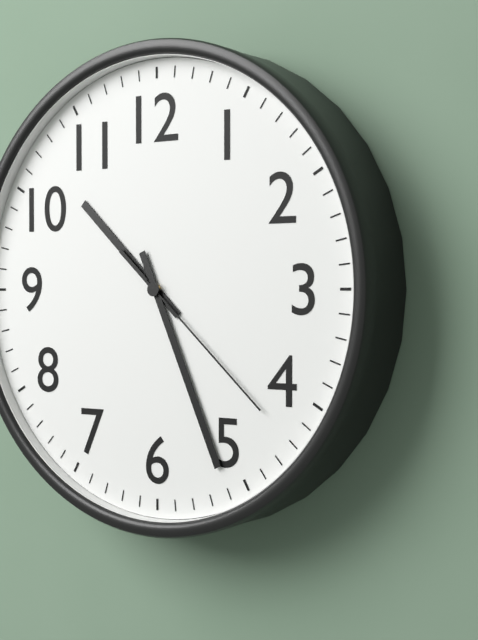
10:26:22
